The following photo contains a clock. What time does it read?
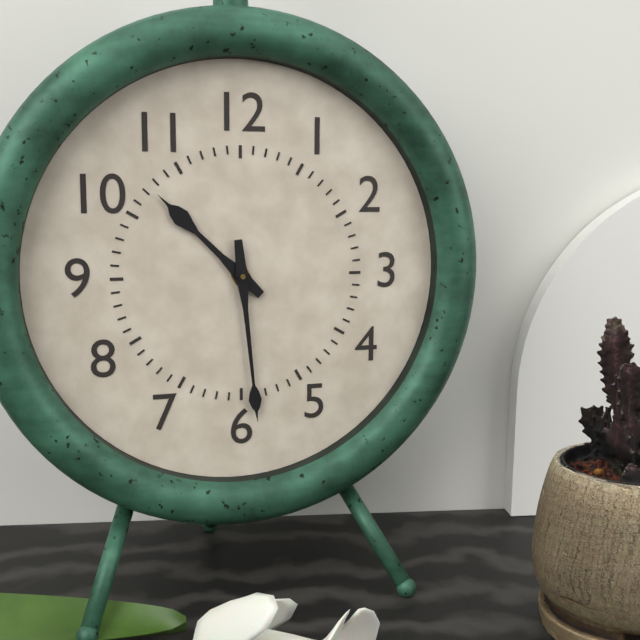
10:29
